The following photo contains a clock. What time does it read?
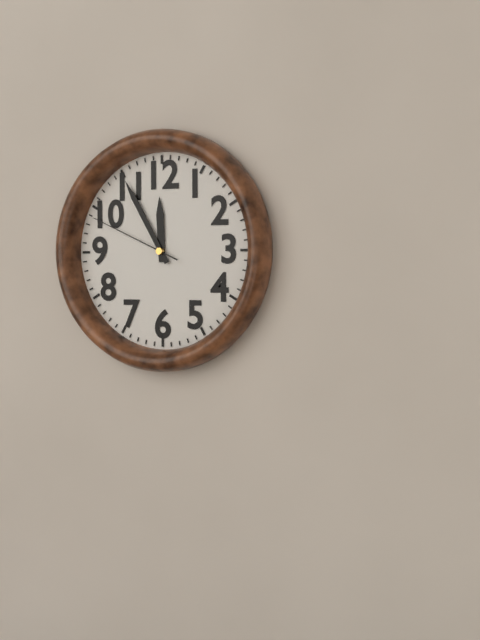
11:55:49
